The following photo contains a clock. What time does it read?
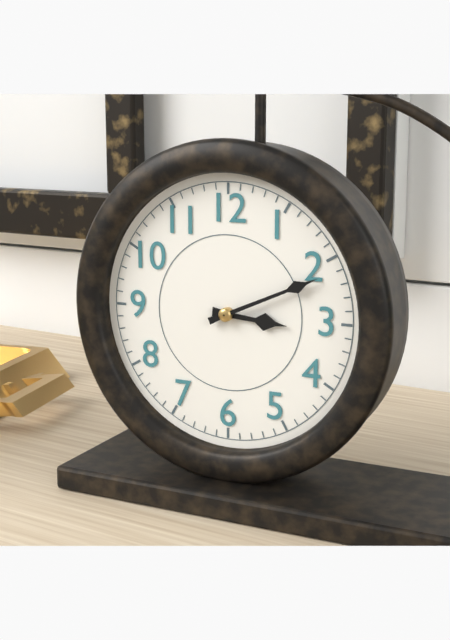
3:11
